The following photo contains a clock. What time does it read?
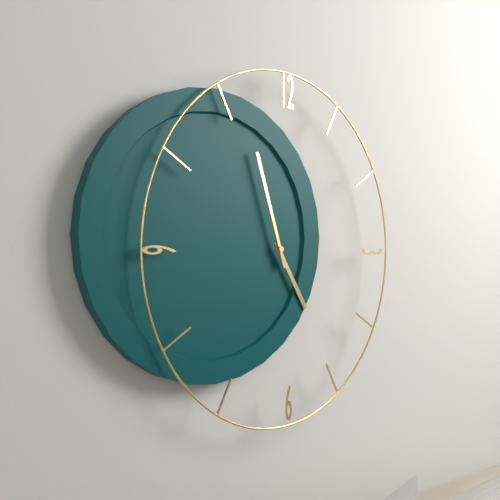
4:57
